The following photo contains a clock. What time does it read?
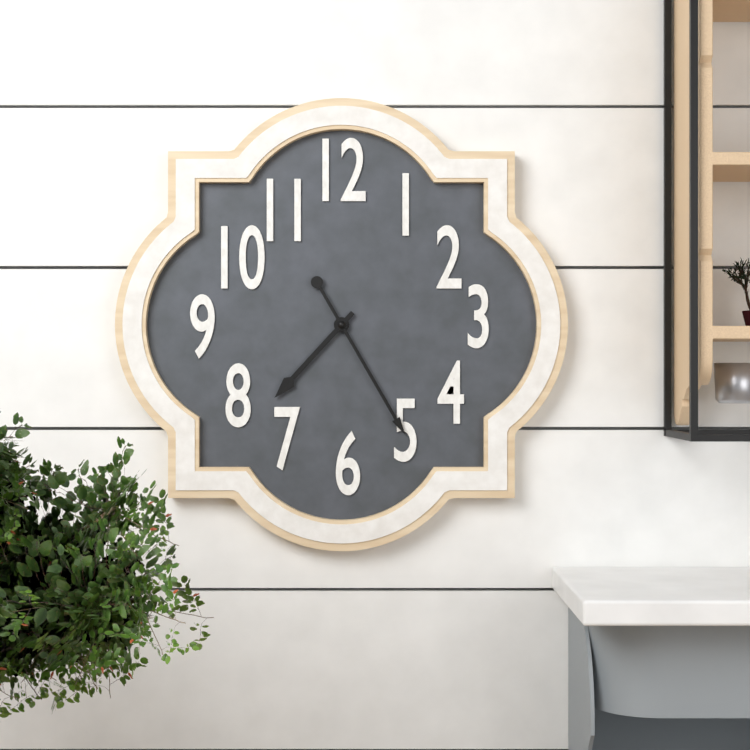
7:25
